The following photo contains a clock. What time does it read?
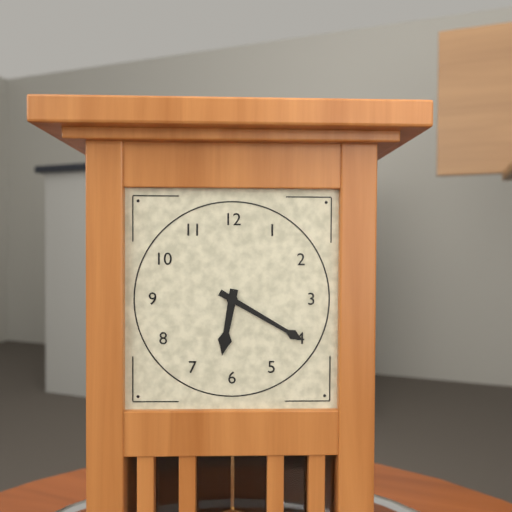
6:20
